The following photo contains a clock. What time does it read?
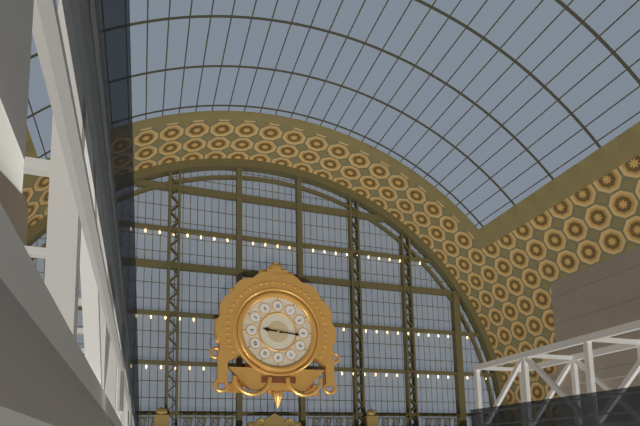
9:16
